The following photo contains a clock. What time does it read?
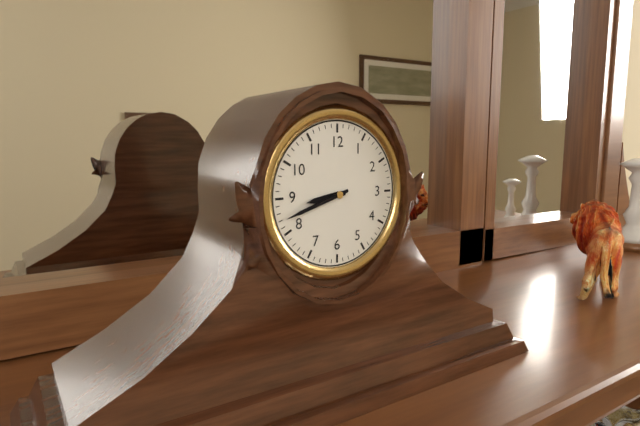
8:42
